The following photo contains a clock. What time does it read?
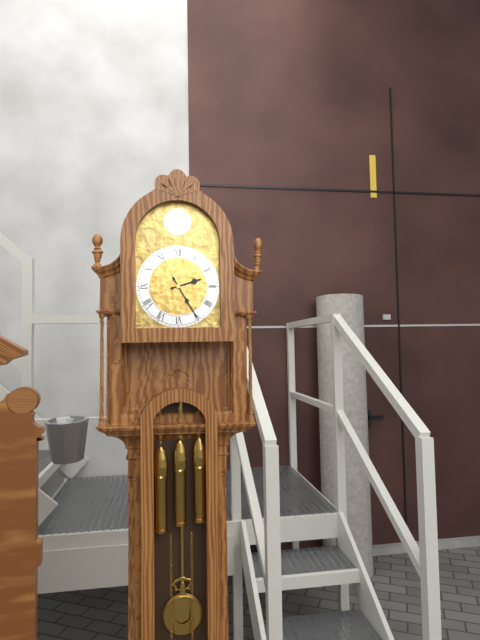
2:25
